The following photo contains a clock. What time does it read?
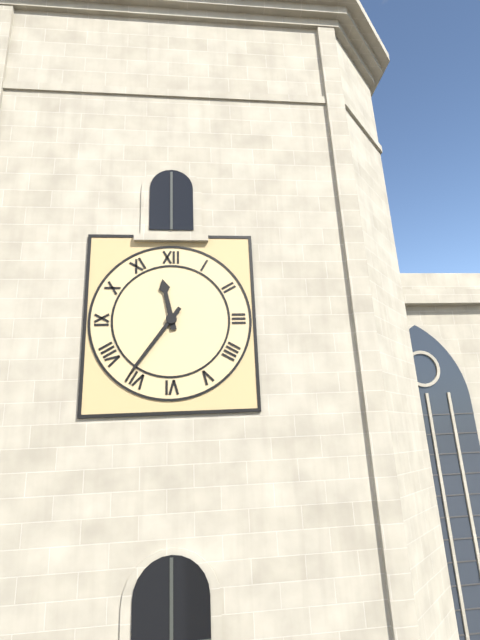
11:36
